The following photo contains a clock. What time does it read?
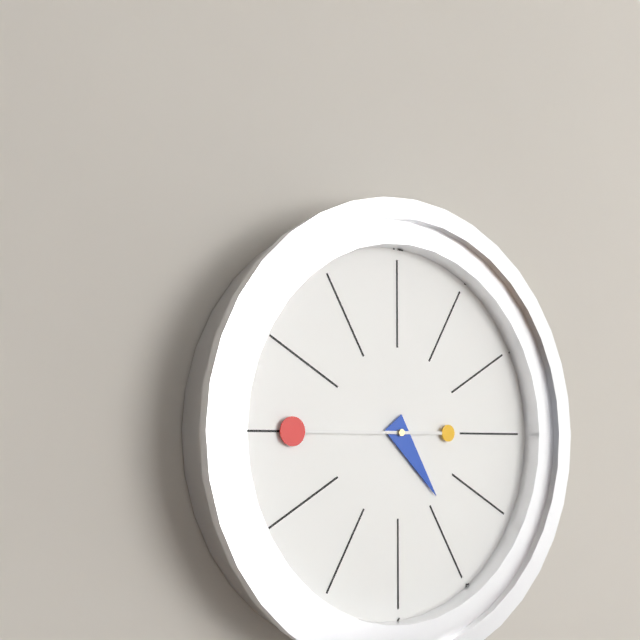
4:45
